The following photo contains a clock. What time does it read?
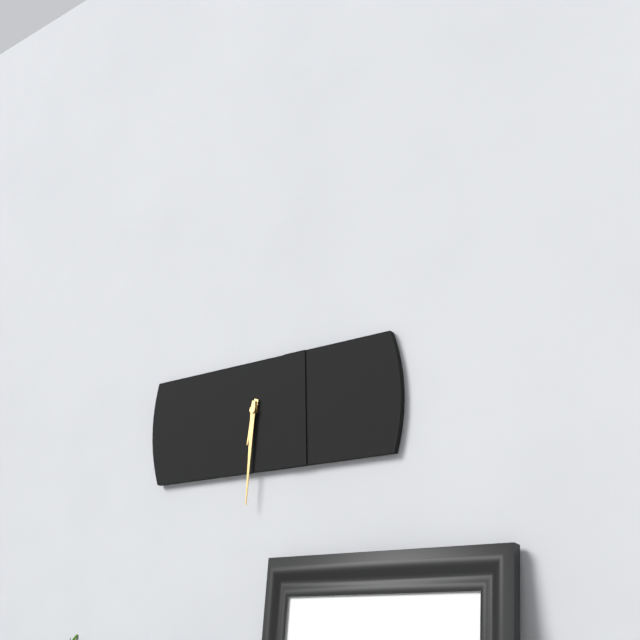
6:31
